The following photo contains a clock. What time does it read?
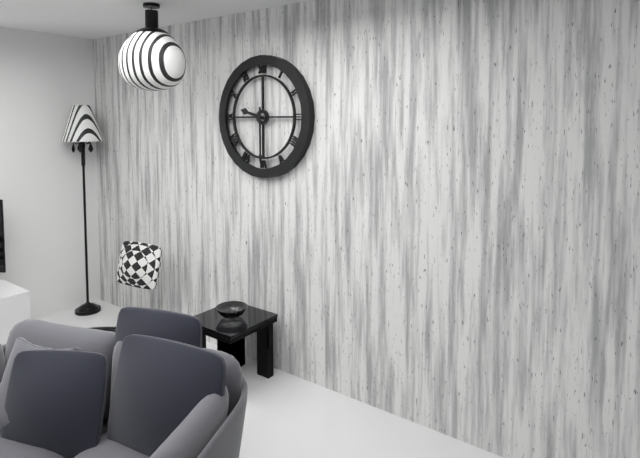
9:30
